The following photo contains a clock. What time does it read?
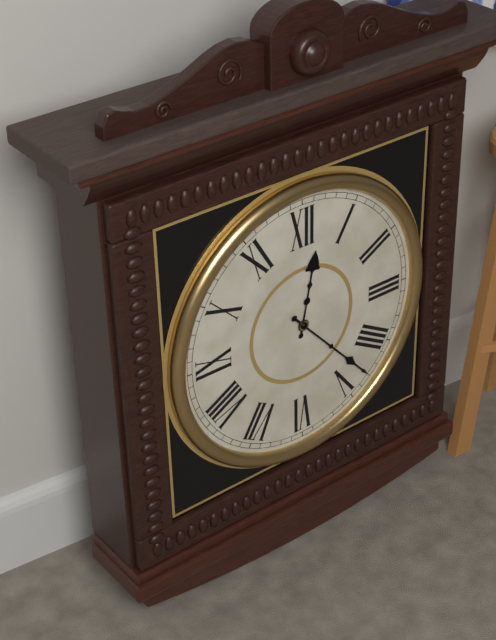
12:23
